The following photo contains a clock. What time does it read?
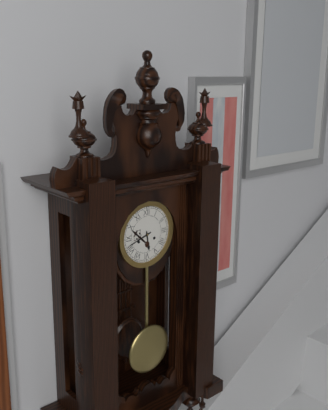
5:42
